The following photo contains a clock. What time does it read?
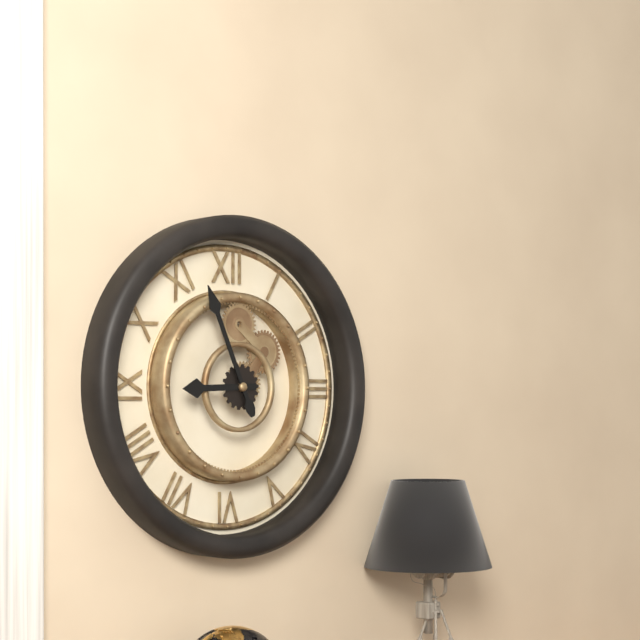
8:56
